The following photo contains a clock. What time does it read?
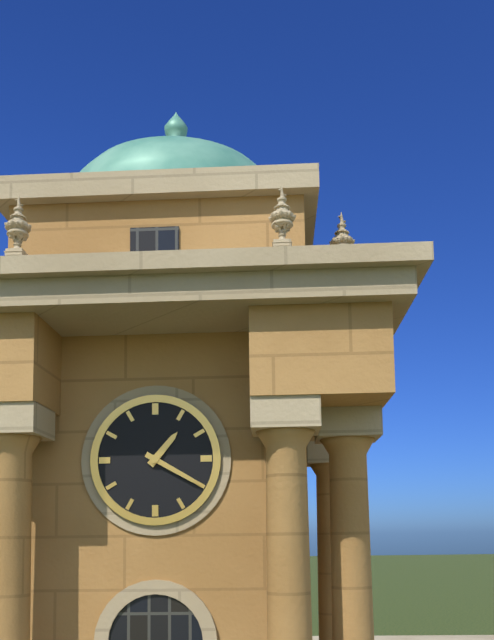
1:20
